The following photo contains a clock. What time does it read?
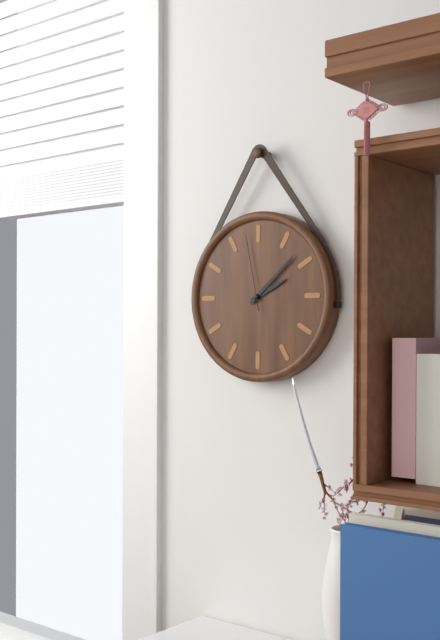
2:08:58
